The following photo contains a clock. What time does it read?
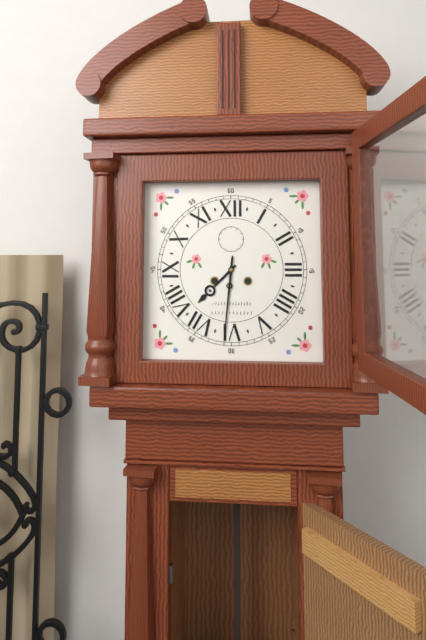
7:31
